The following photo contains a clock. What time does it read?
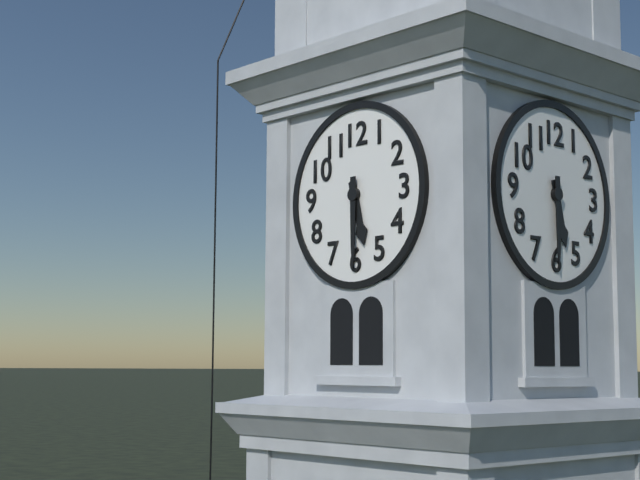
5:30
